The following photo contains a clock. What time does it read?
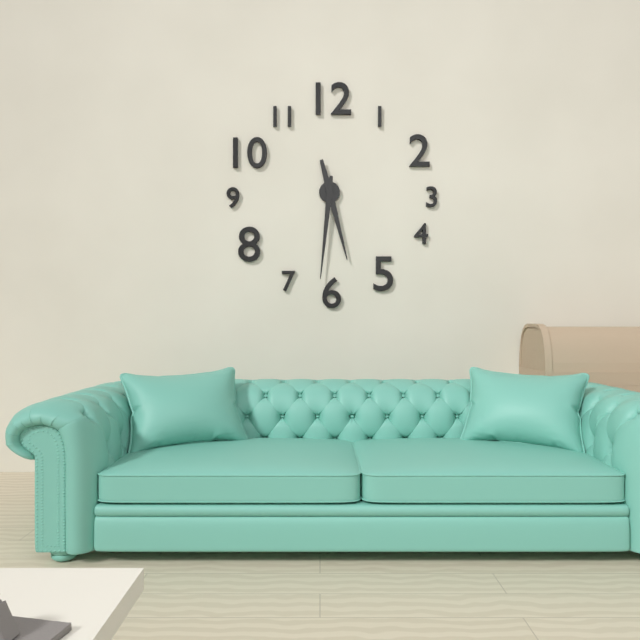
5:31
